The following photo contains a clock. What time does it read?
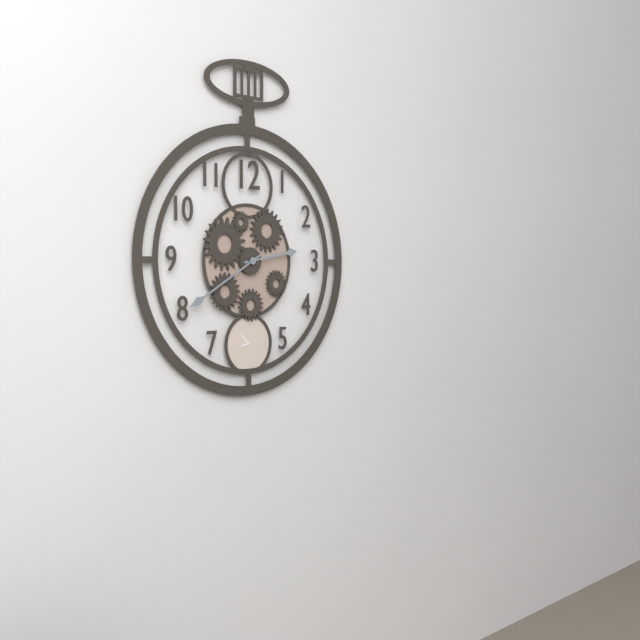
2:40
